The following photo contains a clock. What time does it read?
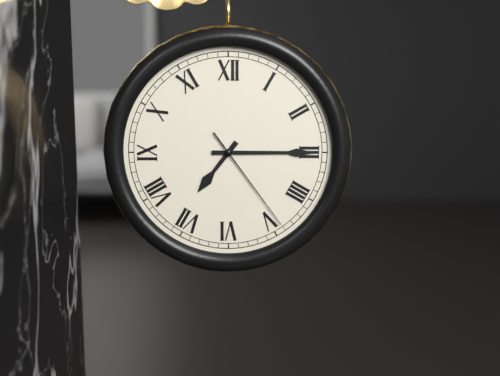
7:15:24
